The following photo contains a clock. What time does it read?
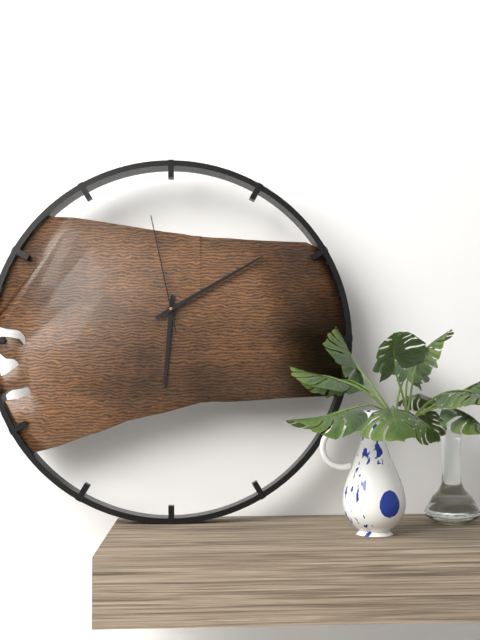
6:10:58
